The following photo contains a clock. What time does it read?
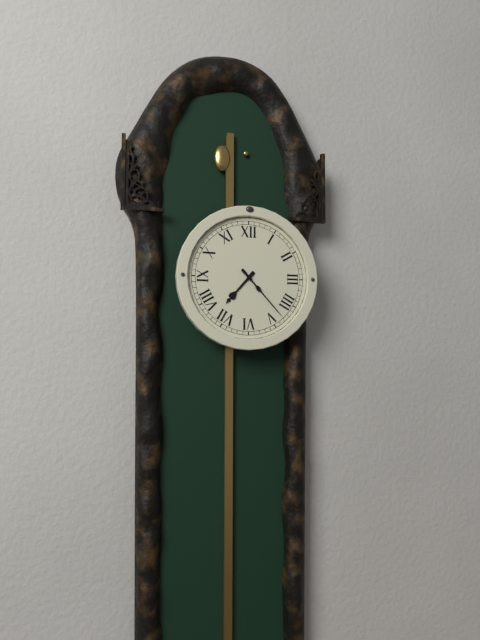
7:23
